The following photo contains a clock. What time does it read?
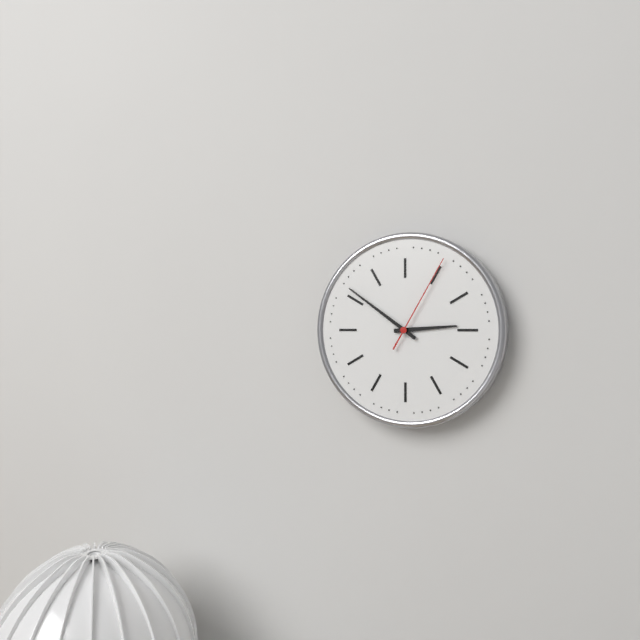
2:51:05
